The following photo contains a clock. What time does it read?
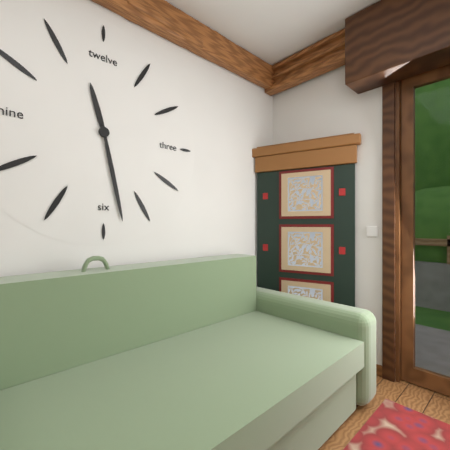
11:28
